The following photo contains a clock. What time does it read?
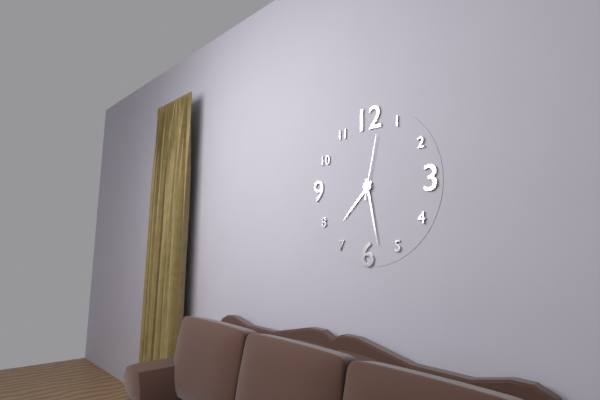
7:28:02
